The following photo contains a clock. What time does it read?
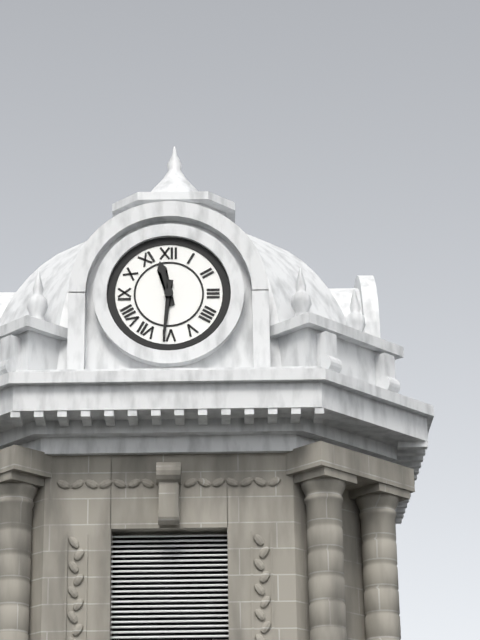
11:31
